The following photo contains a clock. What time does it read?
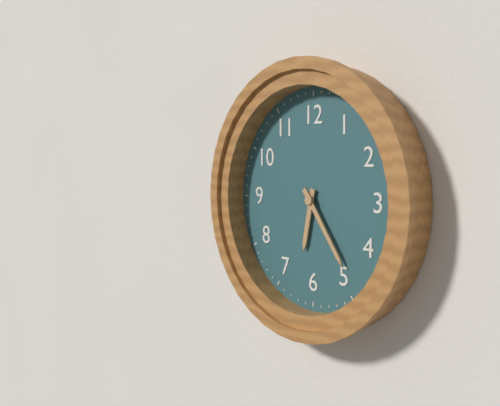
6:24
